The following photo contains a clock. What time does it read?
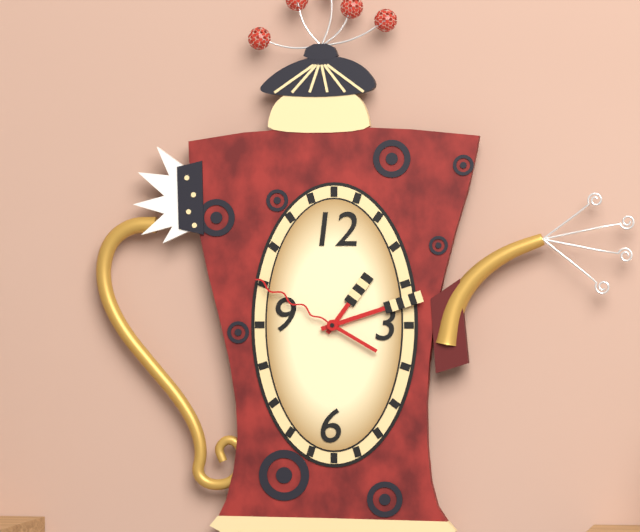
1:12:50
